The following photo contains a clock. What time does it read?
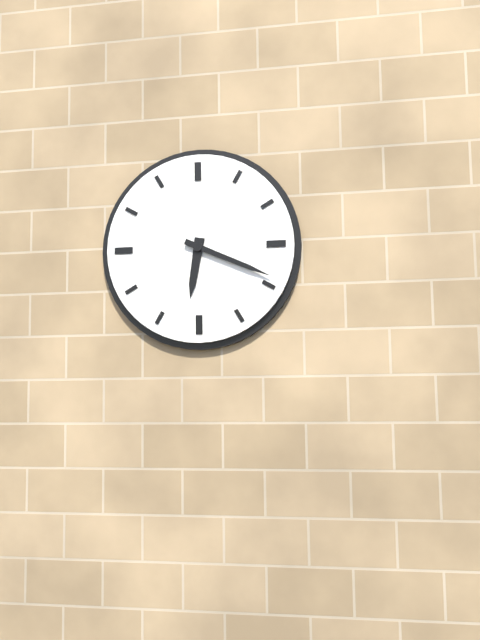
6:19
